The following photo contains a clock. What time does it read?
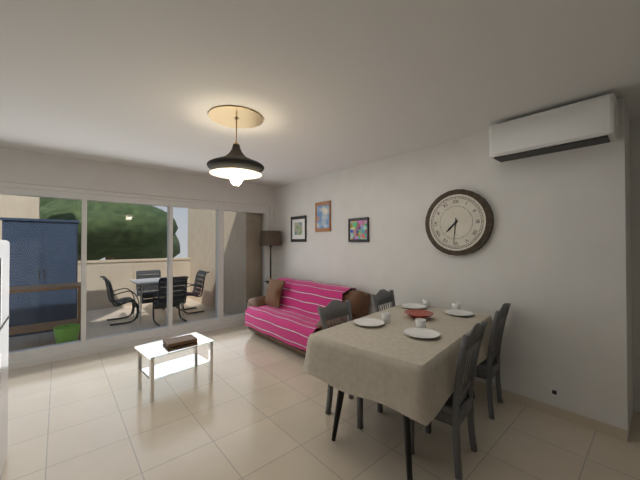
7:31
